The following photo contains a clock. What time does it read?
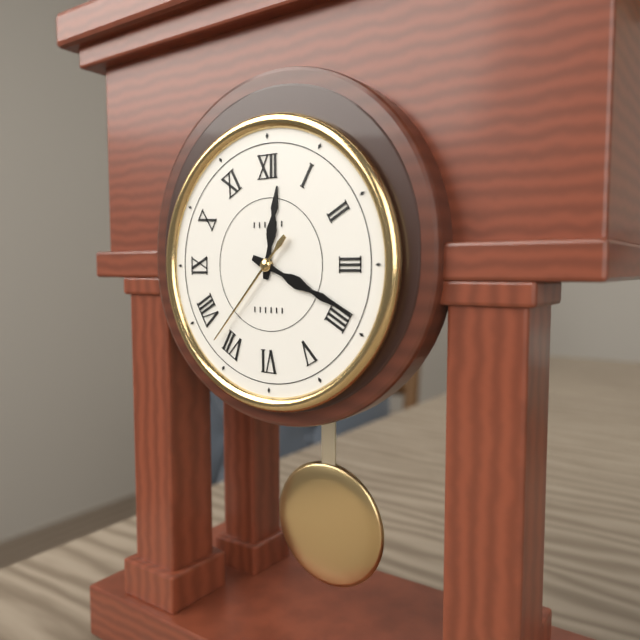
12:19:37
